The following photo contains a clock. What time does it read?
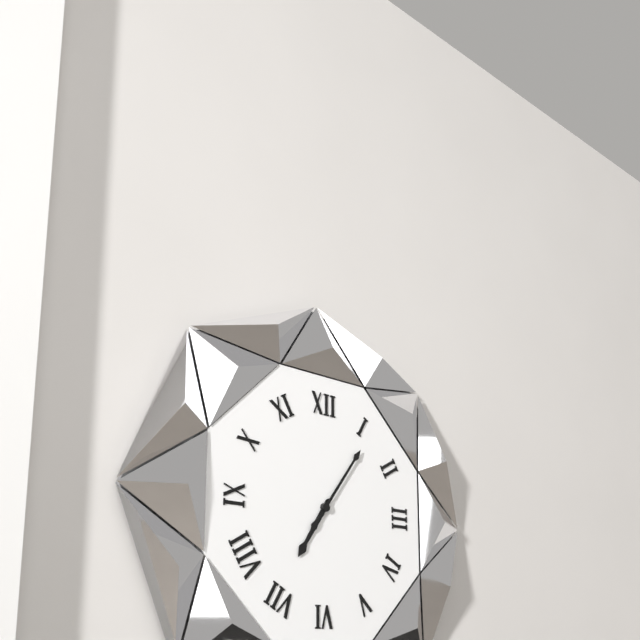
7:06
